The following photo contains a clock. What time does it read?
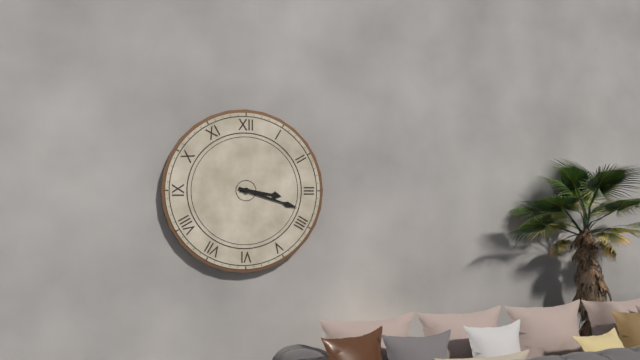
3:18
